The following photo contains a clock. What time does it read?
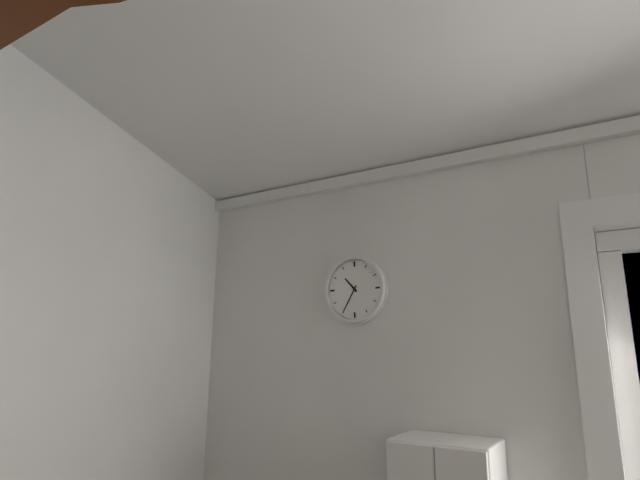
10:35
